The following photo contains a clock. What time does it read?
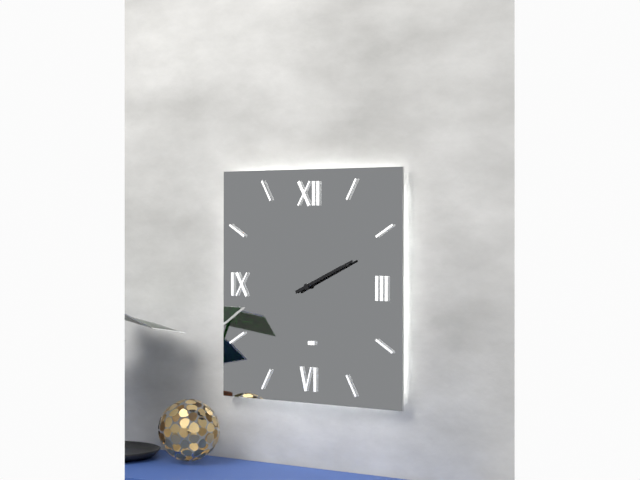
2:11
